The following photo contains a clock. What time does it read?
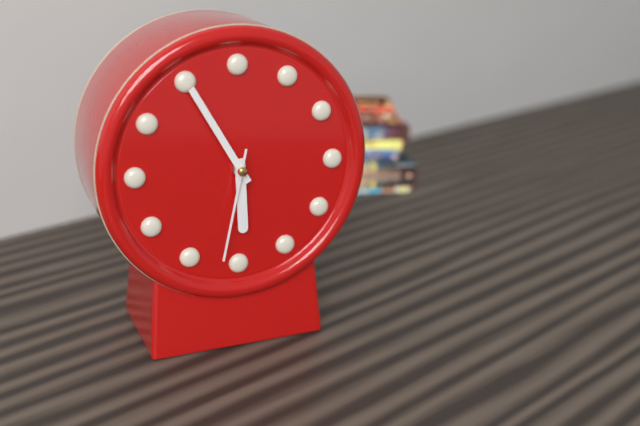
5:55:32
